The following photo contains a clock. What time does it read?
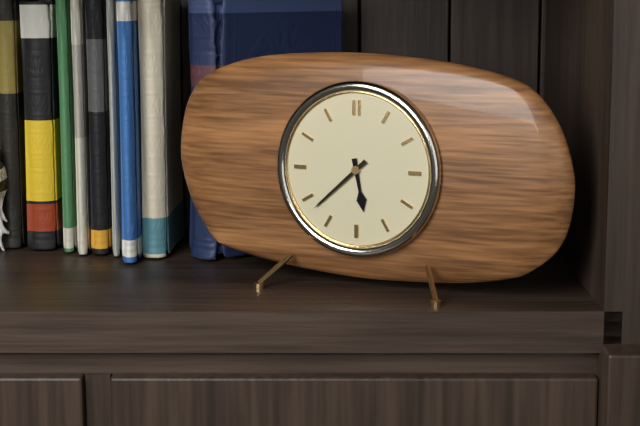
5:38
